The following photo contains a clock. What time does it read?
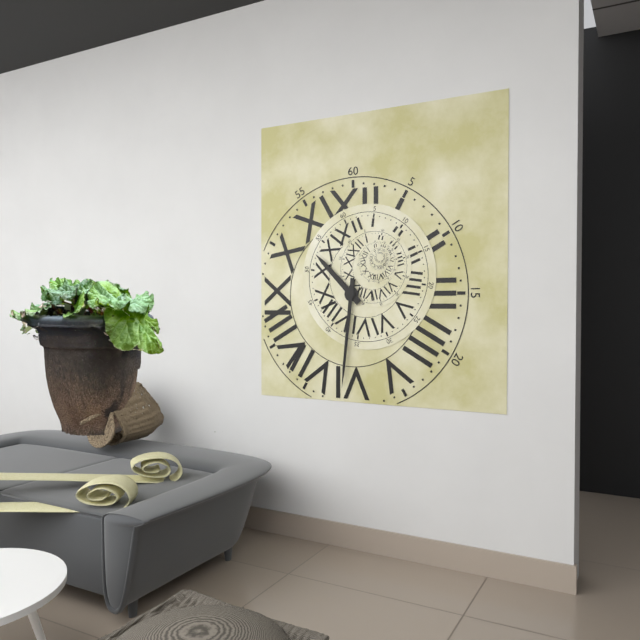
10:31
